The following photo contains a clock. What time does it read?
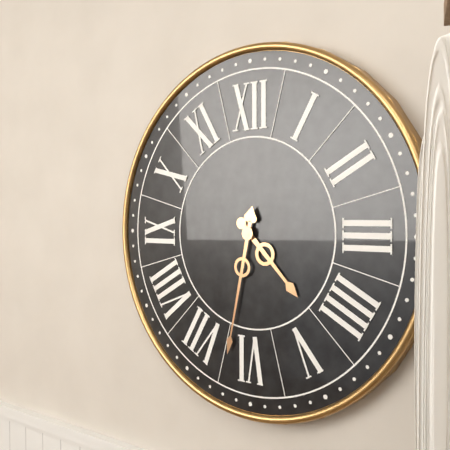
4:32
